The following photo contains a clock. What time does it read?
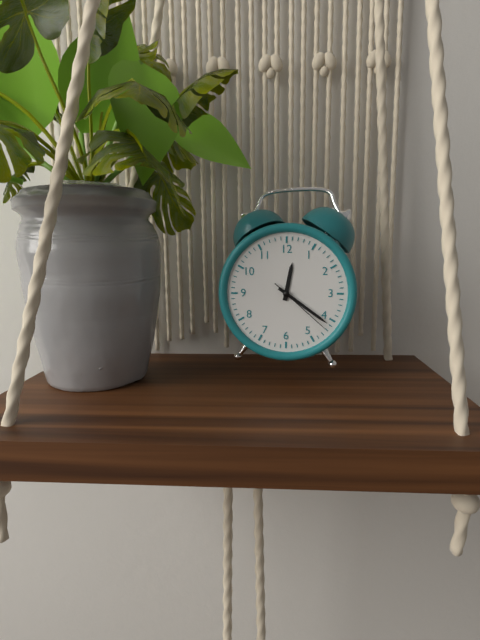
12:21:22
